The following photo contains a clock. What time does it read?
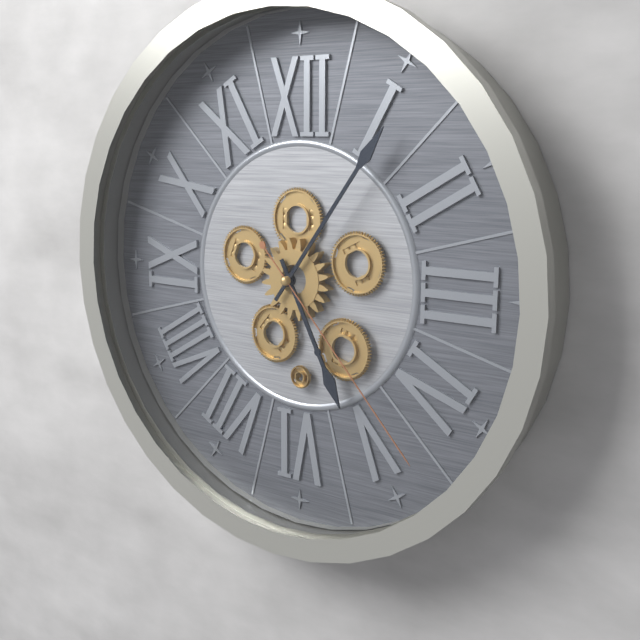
5:06:23
